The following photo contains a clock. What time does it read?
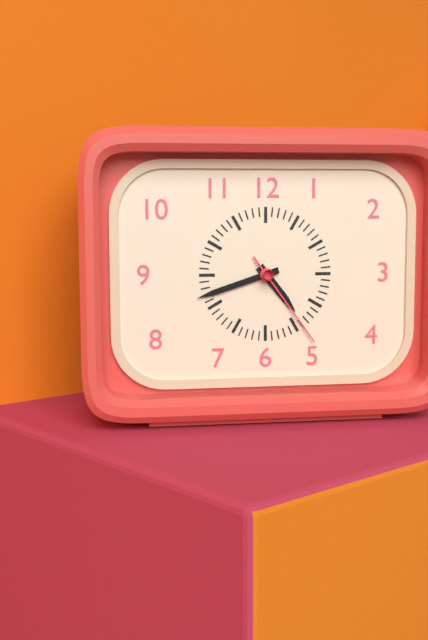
4:42:24
